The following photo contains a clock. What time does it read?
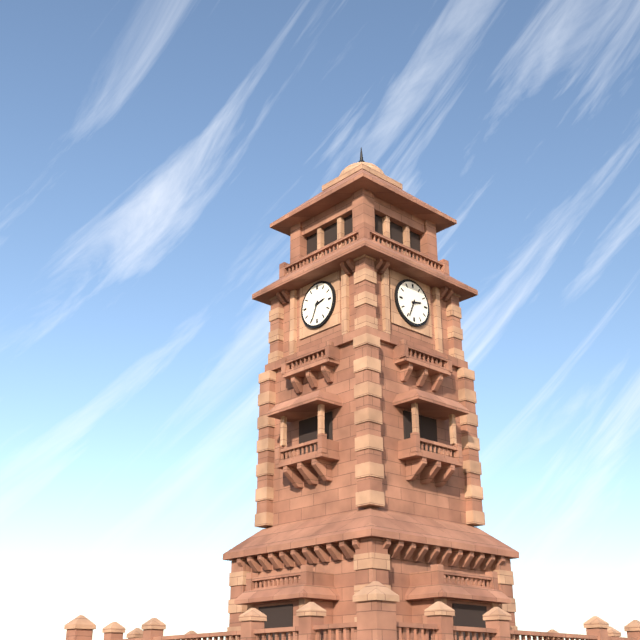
2:34
